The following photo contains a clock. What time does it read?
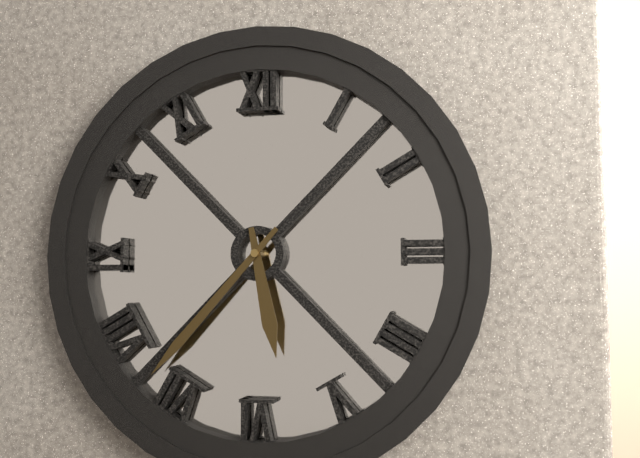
5:37
